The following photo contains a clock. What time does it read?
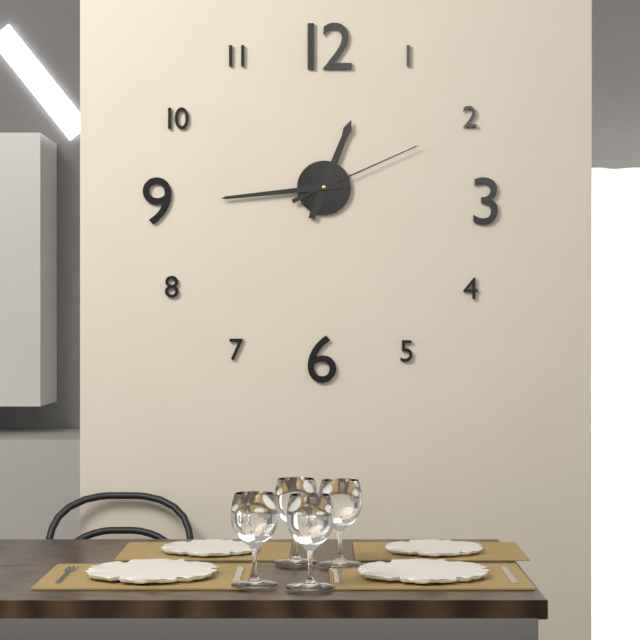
12:44:11
